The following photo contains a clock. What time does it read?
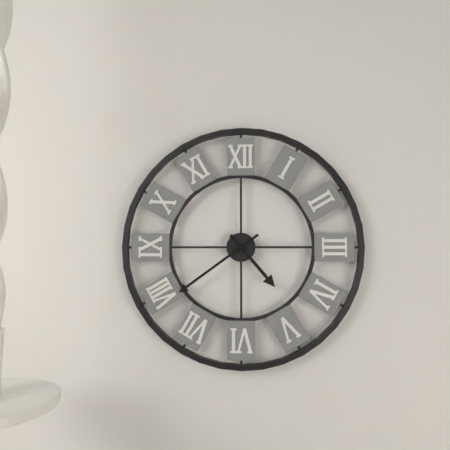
4:39
